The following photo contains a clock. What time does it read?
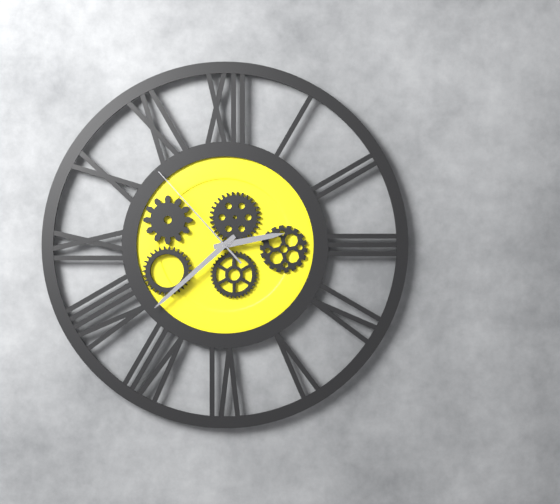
2:38:53
